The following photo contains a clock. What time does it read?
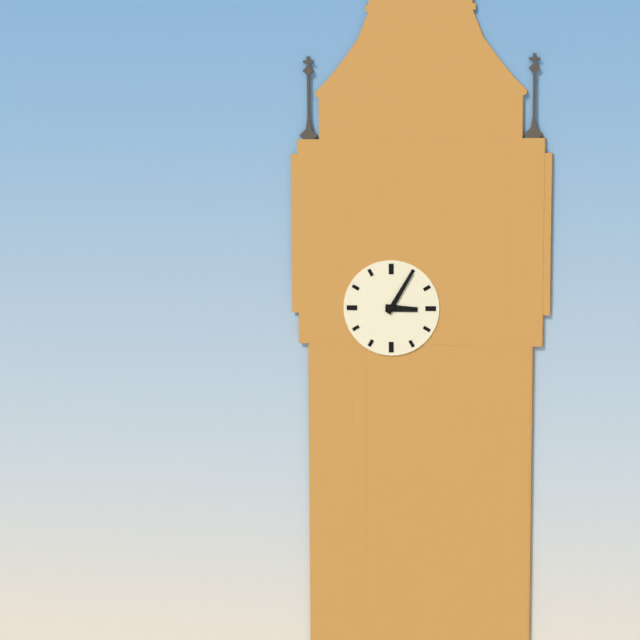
3:05
